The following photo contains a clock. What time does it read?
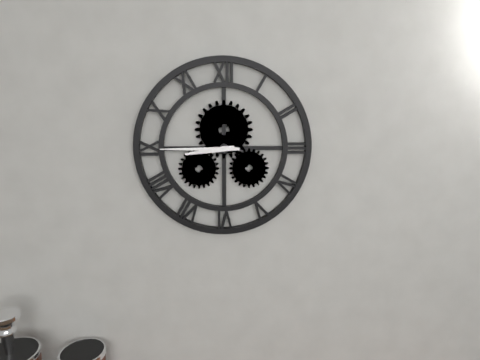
8:45
